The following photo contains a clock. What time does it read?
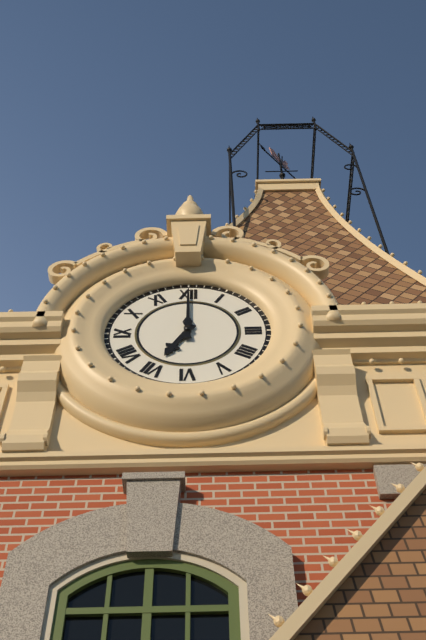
7:00
